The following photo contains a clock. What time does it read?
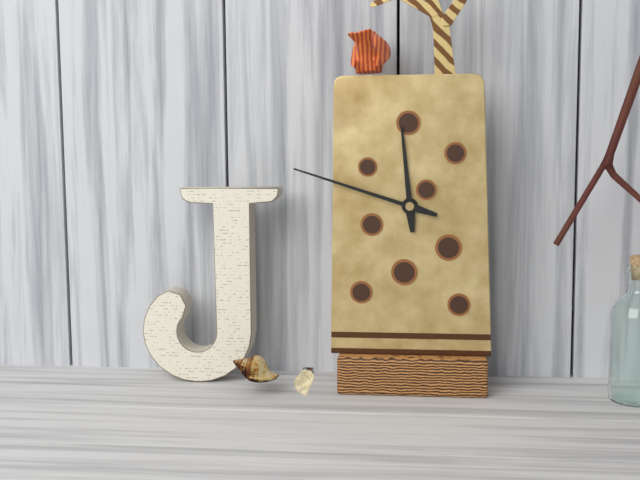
11:48
